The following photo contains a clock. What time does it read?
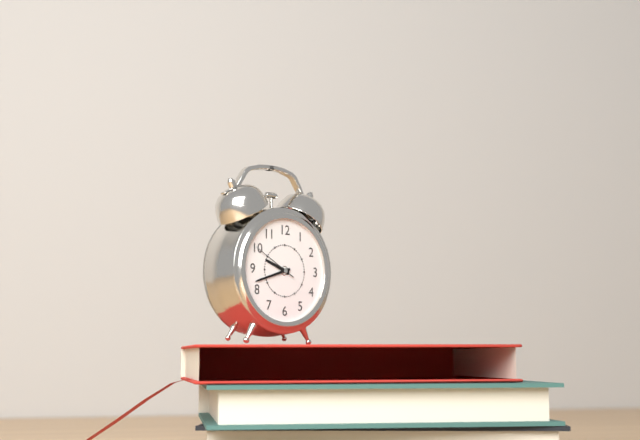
9:42
